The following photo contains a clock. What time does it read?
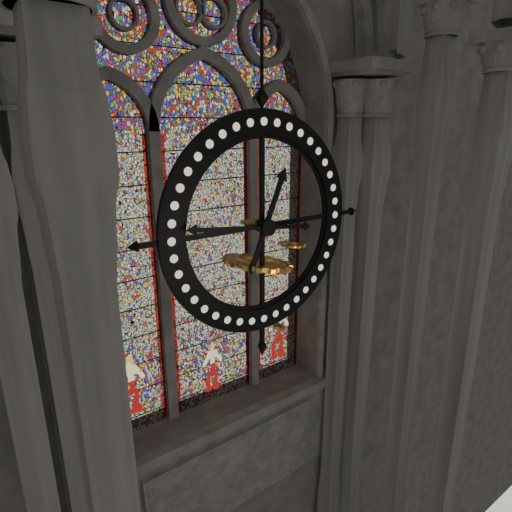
12:46
